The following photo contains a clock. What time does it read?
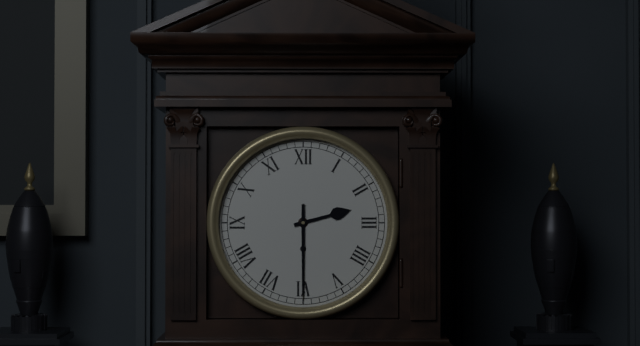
2:30
